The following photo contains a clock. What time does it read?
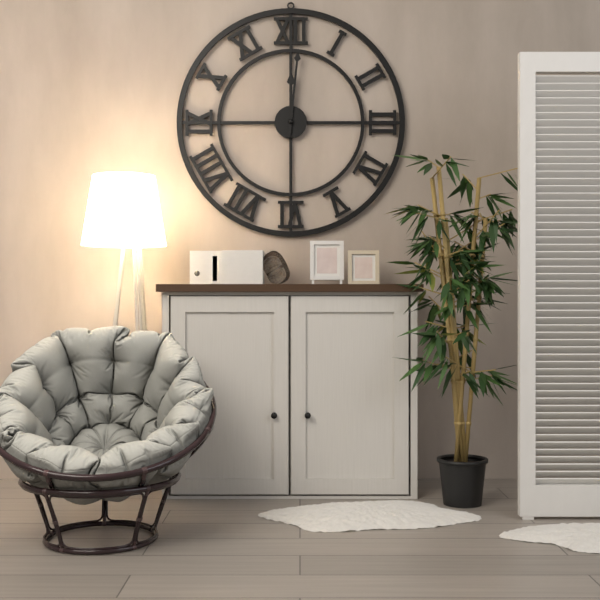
12:01
